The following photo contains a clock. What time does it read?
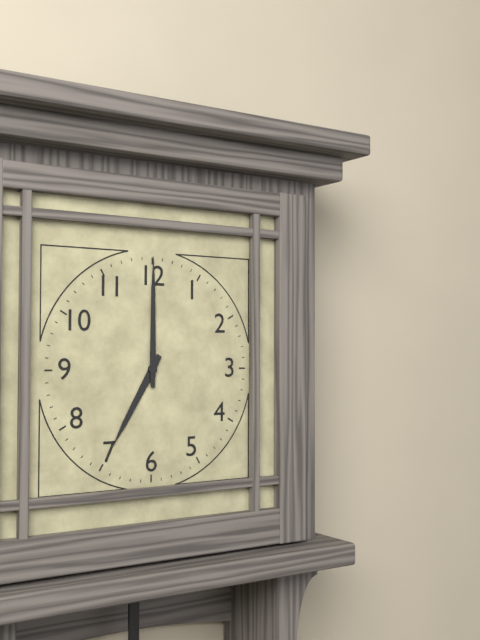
7:00
